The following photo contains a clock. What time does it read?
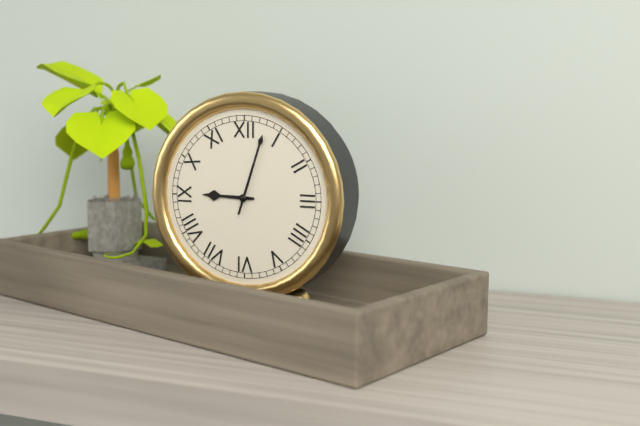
9:03
